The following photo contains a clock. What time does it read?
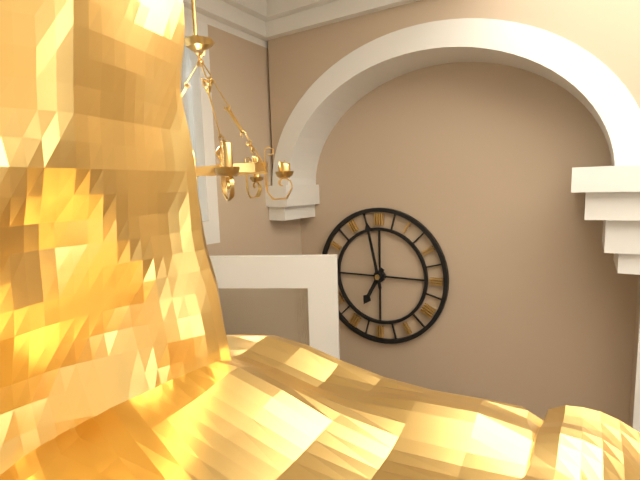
6:58
